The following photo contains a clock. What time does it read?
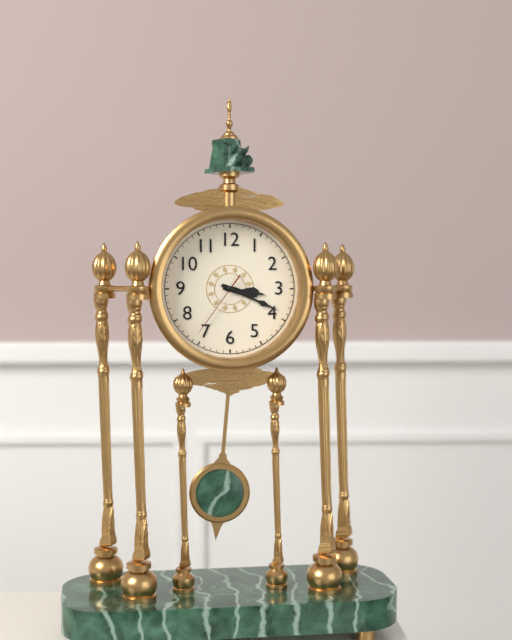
3:19:36
